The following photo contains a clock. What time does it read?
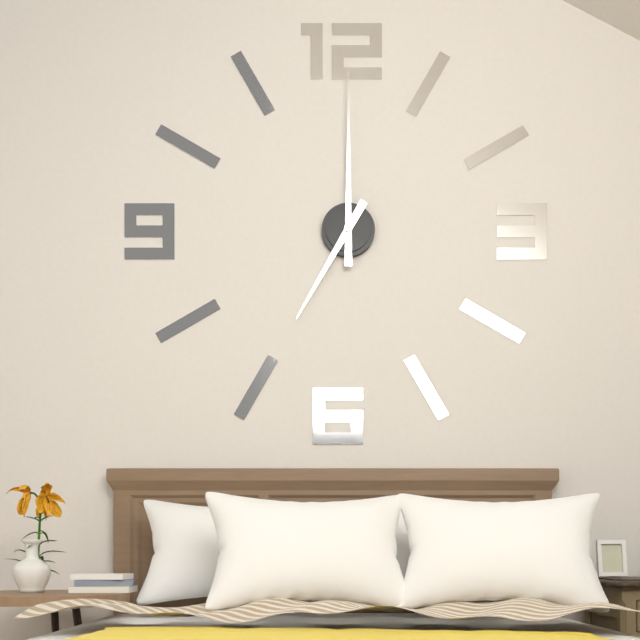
7:00
